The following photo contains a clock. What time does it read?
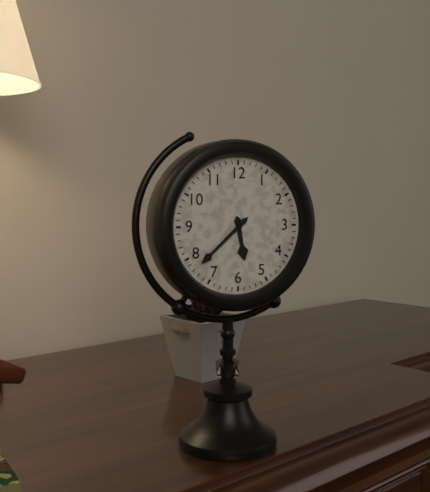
5:38
